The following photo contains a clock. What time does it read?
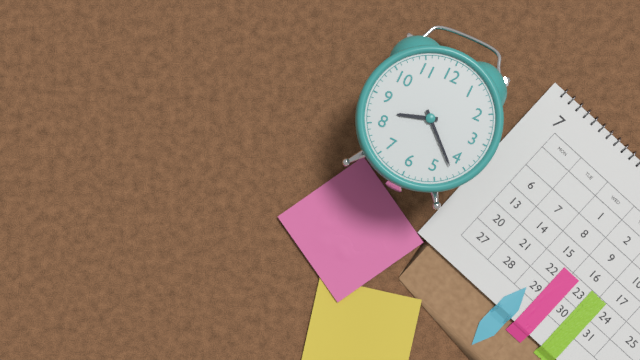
8:22
